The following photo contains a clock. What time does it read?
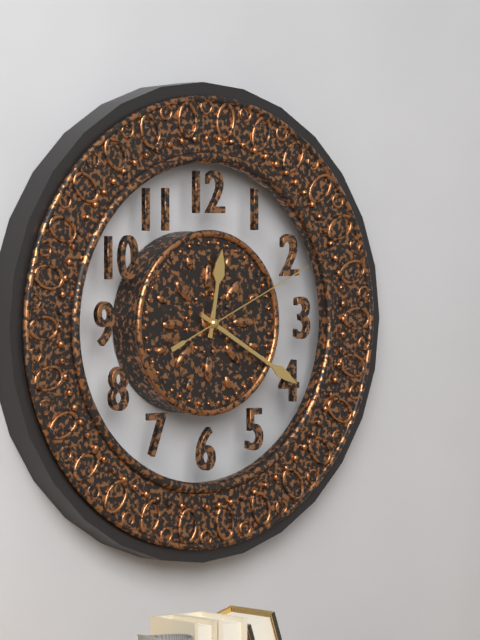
12:20:11
